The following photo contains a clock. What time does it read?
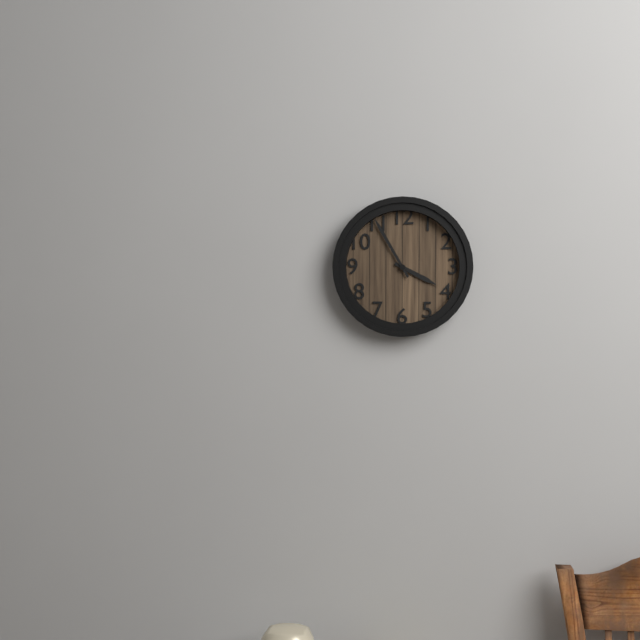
3:55
